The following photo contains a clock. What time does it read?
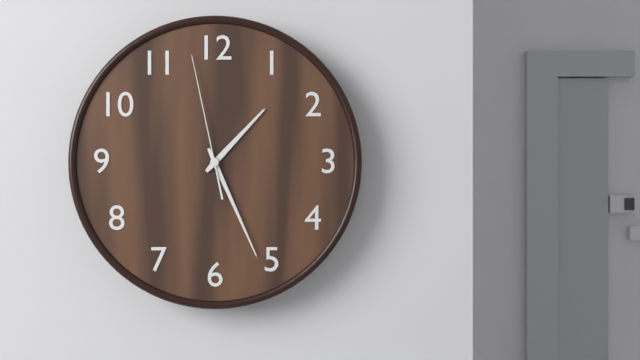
1:26:58
